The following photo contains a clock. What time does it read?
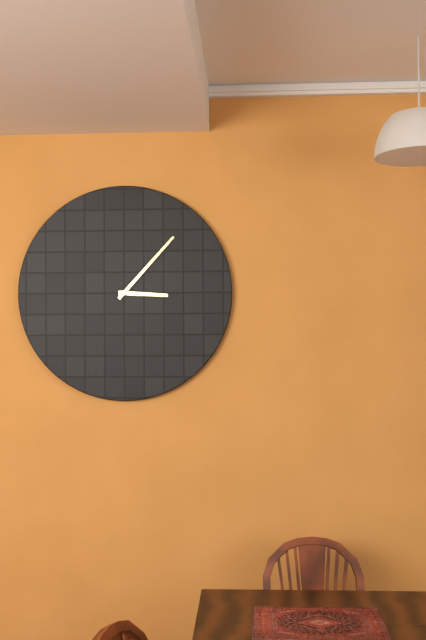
3:07
